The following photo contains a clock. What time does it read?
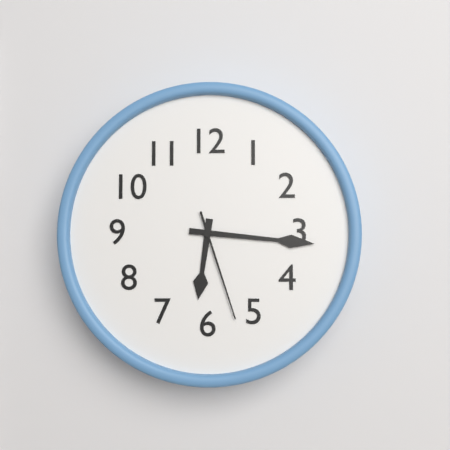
6:16:27
